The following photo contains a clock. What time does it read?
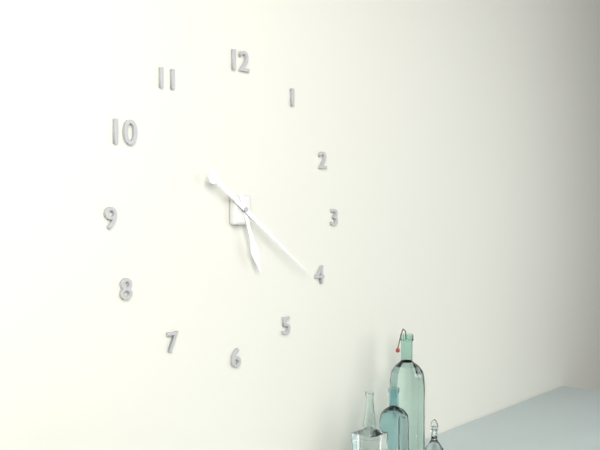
5:21
